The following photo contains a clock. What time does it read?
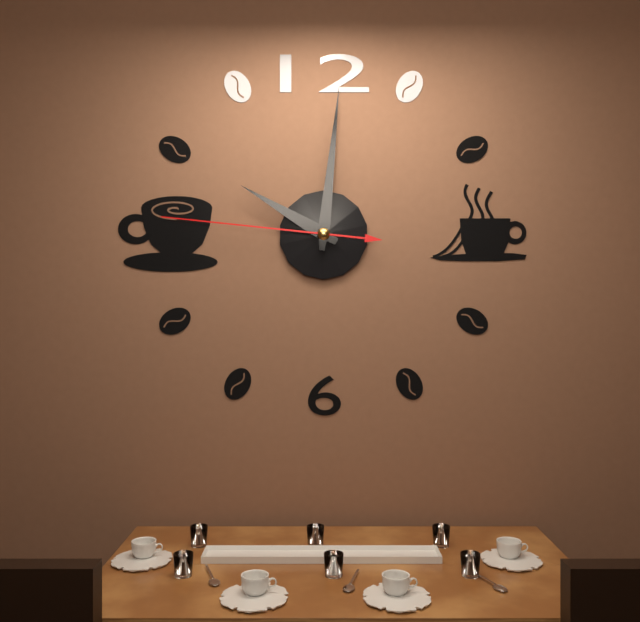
10:01:46
